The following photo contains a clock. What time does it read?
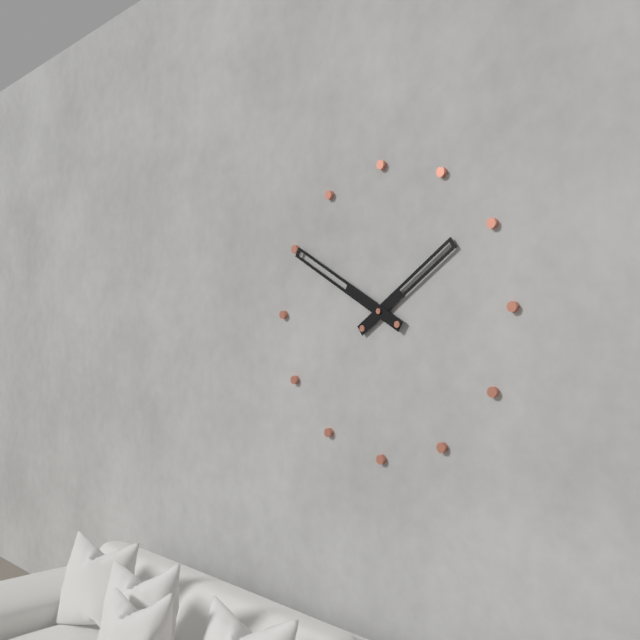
1:50
